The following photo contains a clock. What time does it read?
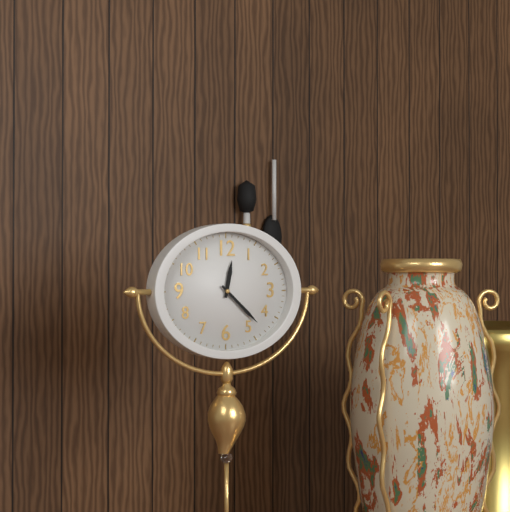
12:22
